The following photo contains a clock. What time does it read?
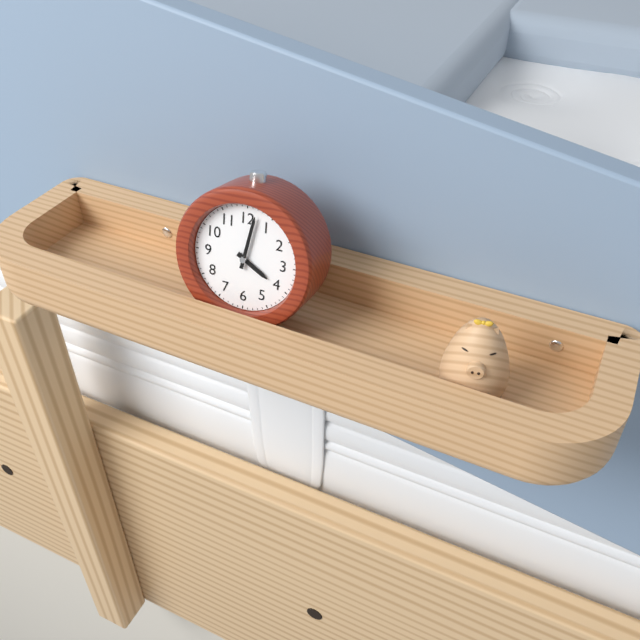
4:02
